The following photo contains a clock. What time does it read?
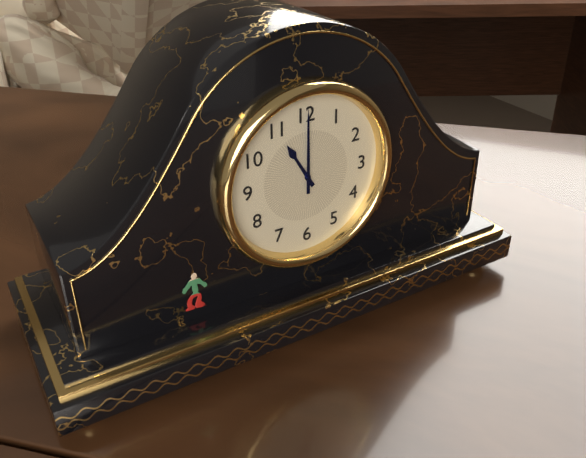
11:00
